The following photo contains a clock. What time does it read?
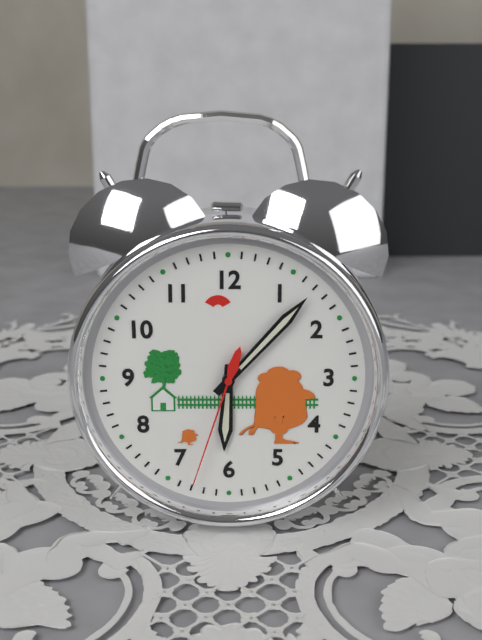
6:07:33
